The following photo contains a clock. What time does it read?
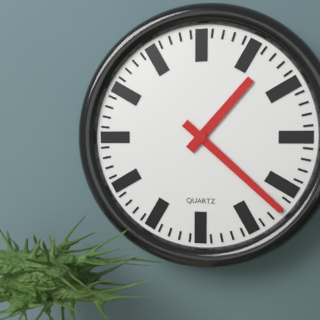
1:22
